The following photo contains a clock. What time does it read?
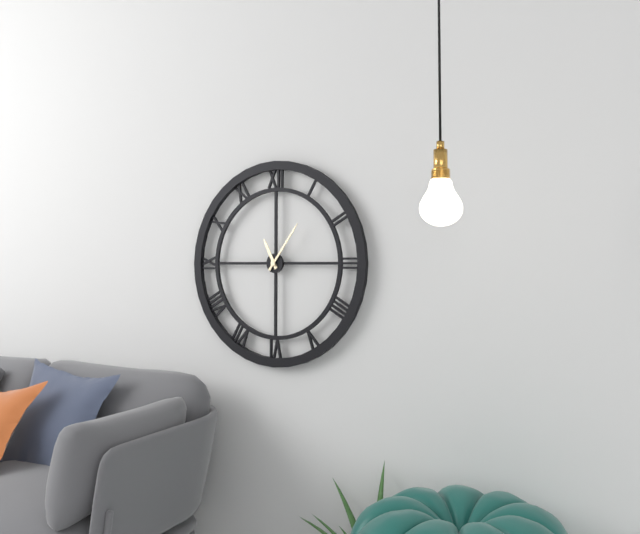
11:06
